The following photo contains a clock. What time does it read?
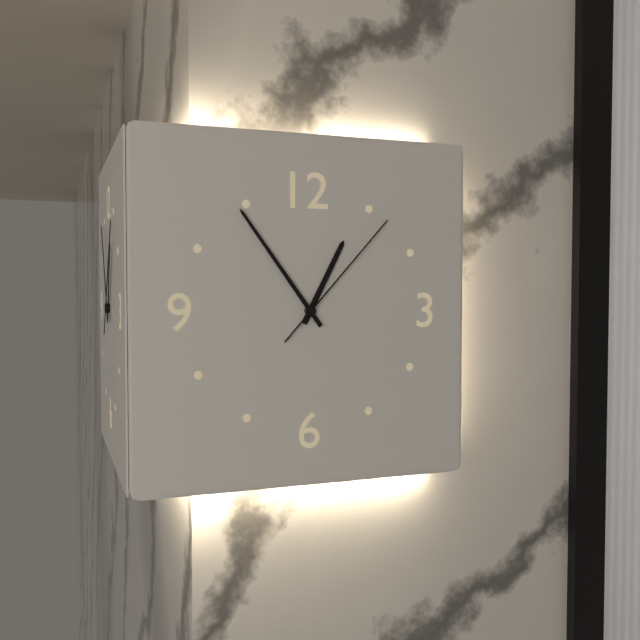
12:54:07
